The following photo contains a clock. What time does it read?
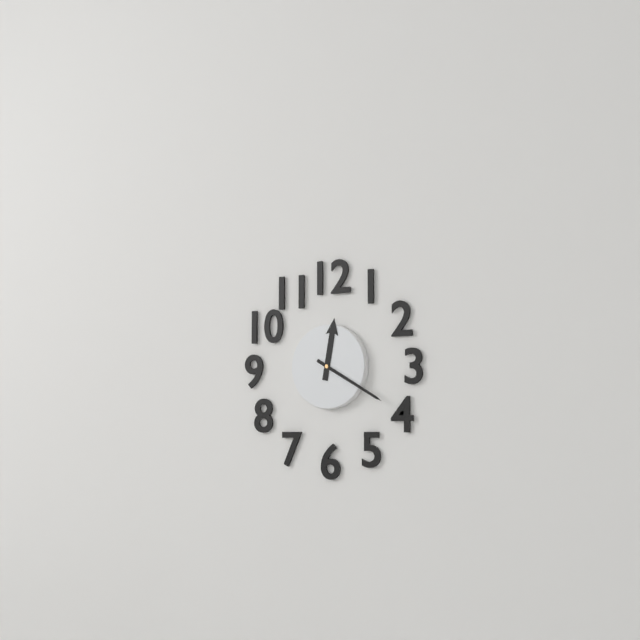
12:20
